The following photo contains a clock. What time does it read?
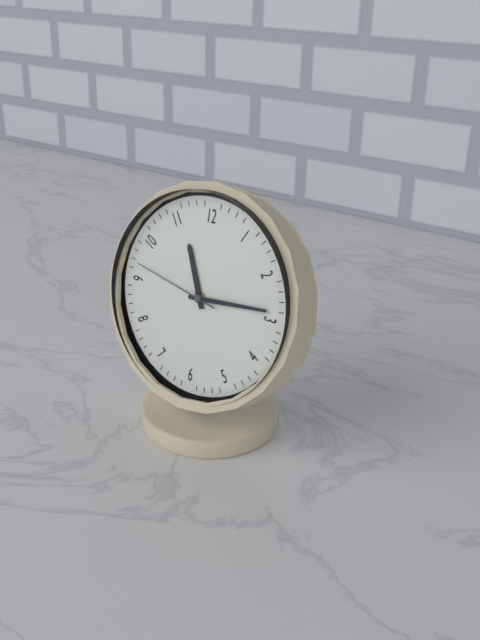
11:14:47
